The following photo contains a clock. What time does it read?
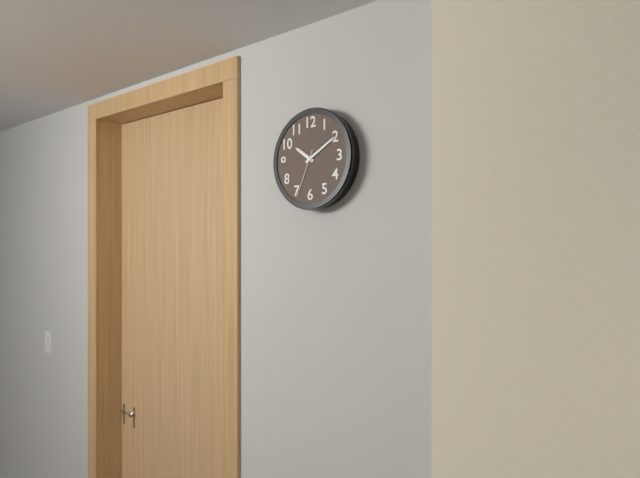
10:10
